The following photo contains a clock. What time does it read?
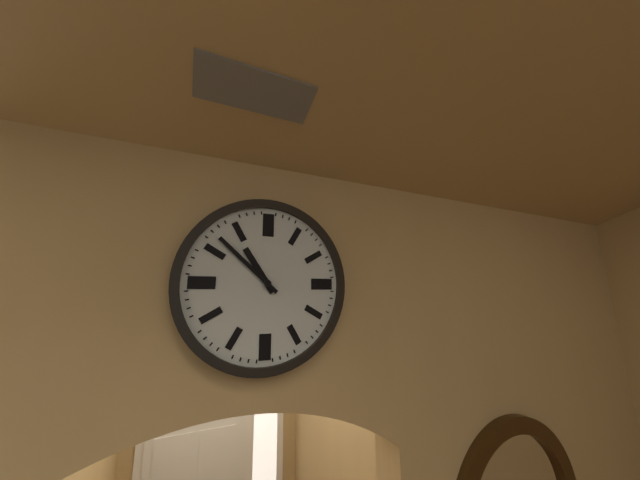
10:52
